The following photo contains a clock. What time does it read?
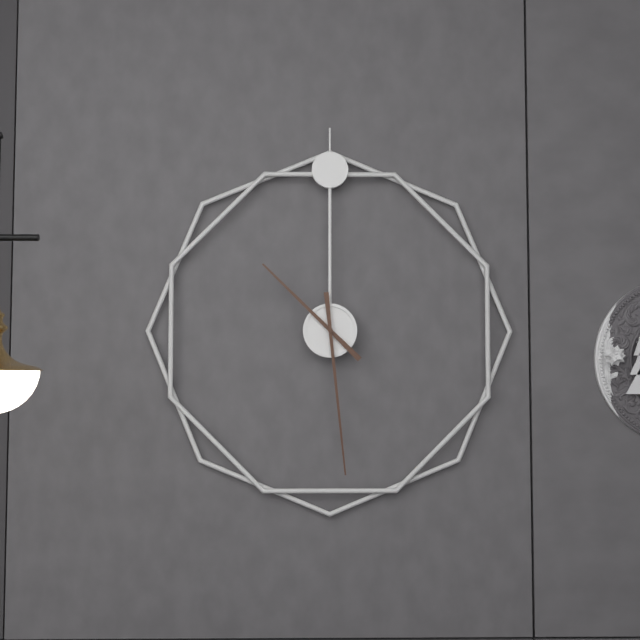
10:29
